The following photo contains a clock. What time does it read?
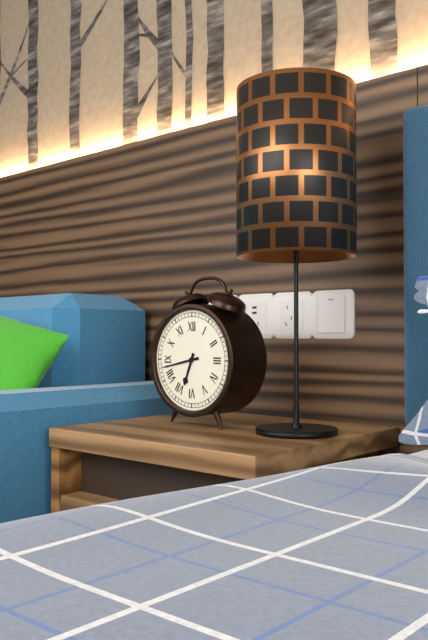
6:43
